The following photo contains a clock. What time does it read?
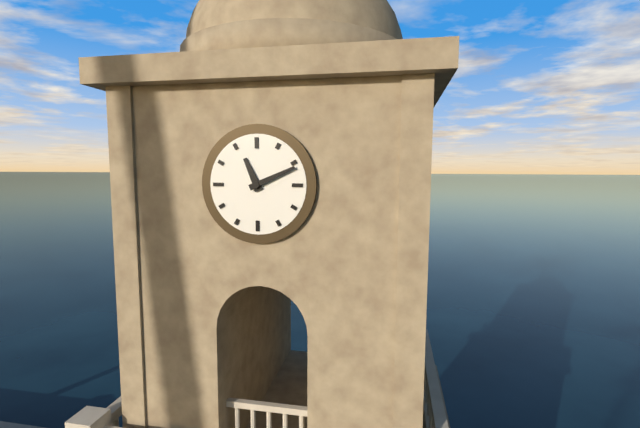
11:11
